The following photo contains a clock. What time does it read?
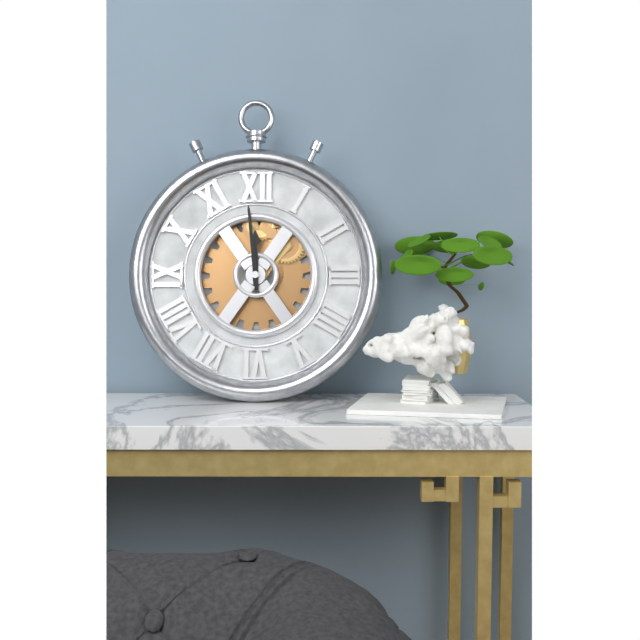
11:59
